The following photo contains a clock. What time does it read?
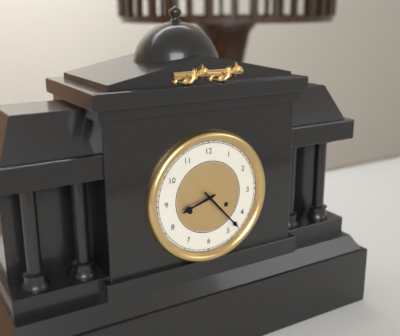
8:23
